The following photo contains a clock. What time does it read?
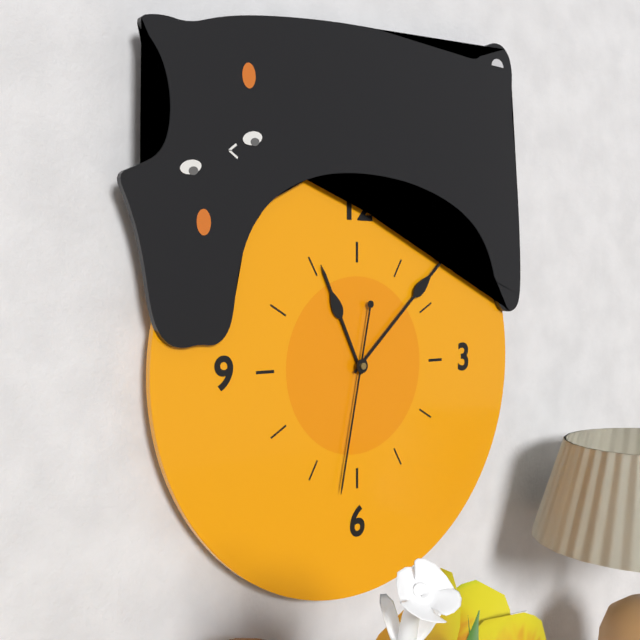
11:08:32
